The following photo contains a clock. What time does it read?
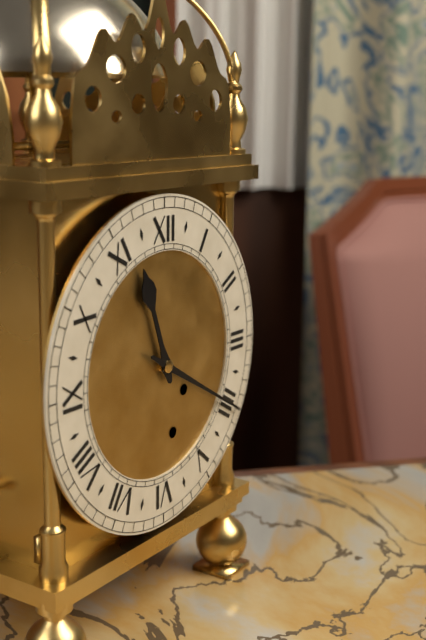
11:20
